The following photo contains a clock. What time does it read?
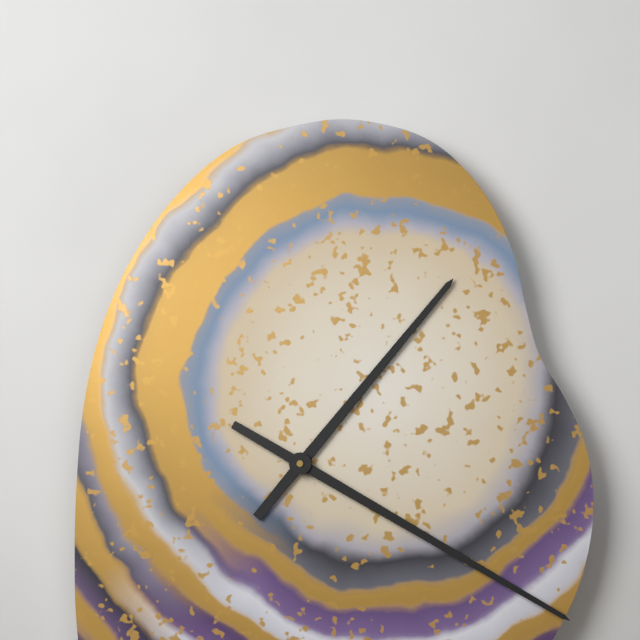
1:20
